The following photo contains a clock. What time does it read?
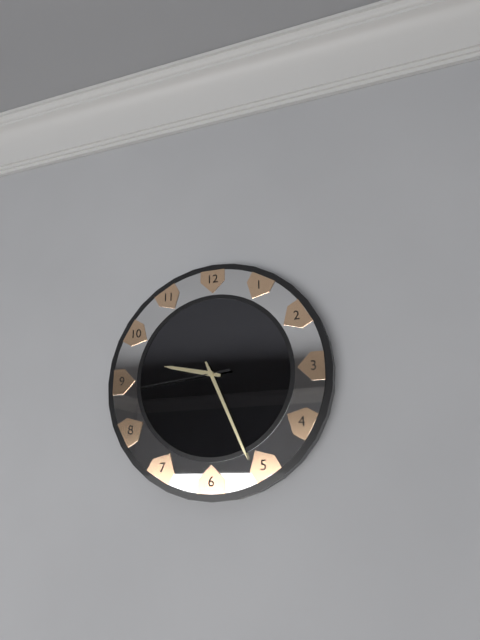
9:26:44
